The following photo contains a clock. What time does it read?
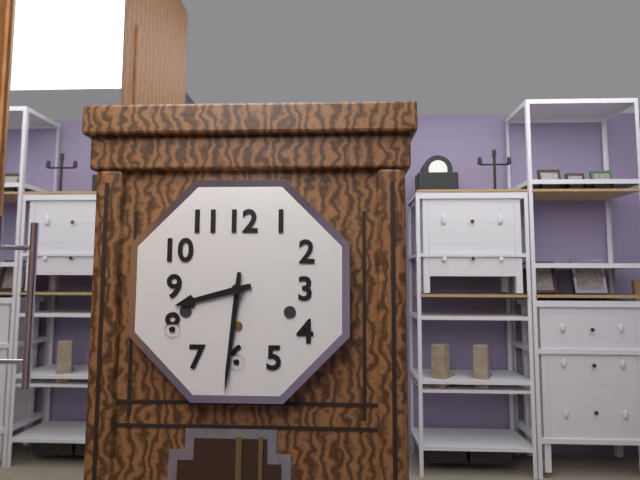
8:31
